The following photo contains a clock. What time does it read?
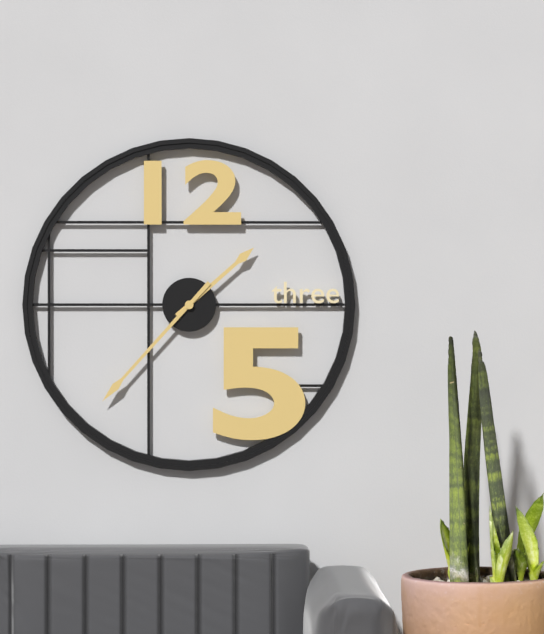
1:37
